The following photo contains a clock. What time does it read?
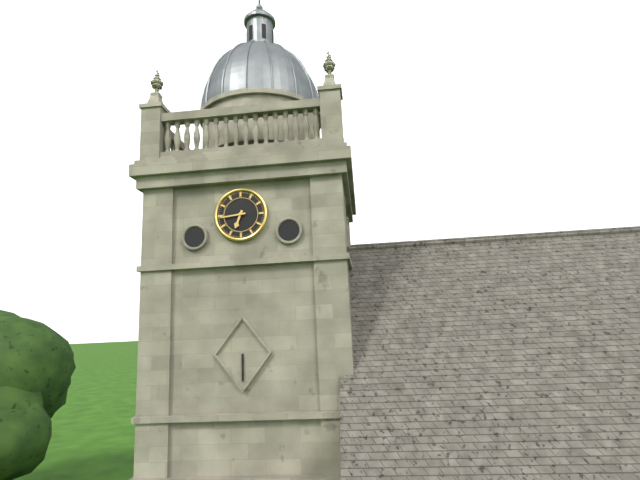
6:44
